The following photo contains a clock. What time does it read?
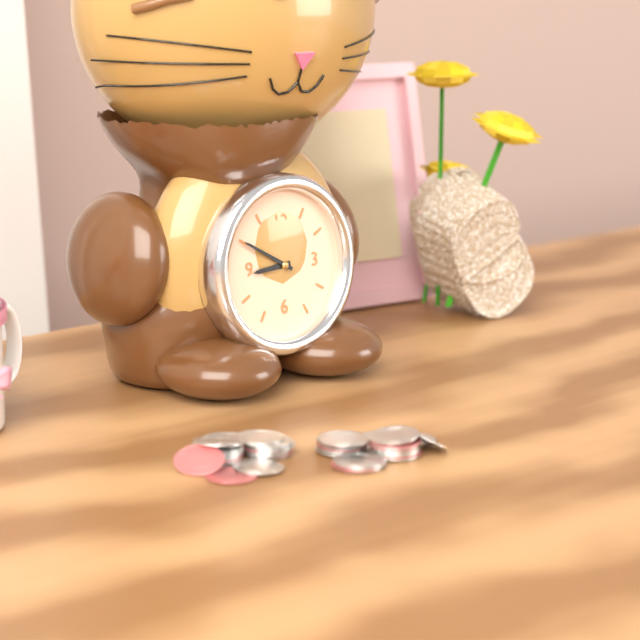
8:50
